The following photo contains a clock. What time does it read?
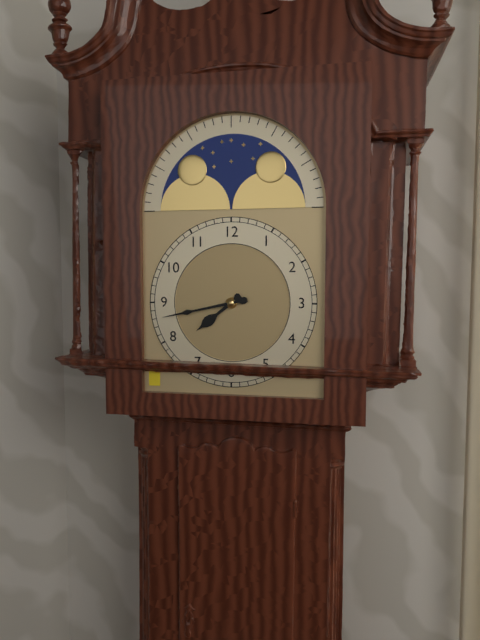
7:43
